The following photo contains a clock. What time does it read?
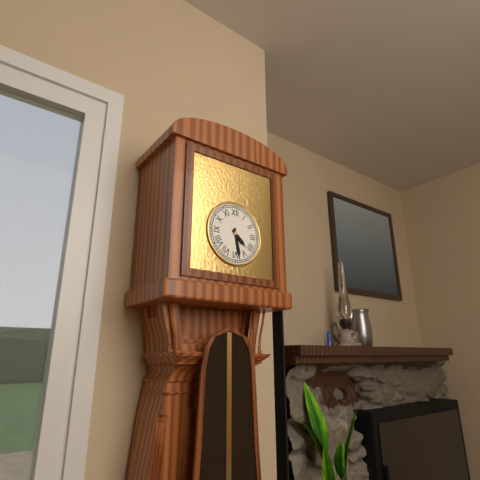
4:28
